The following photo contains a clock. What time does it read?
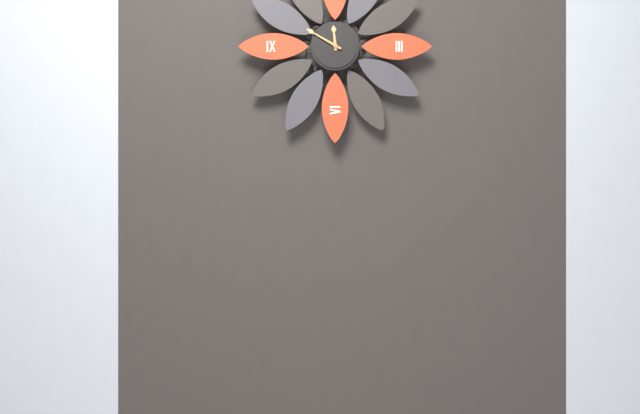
11:50
